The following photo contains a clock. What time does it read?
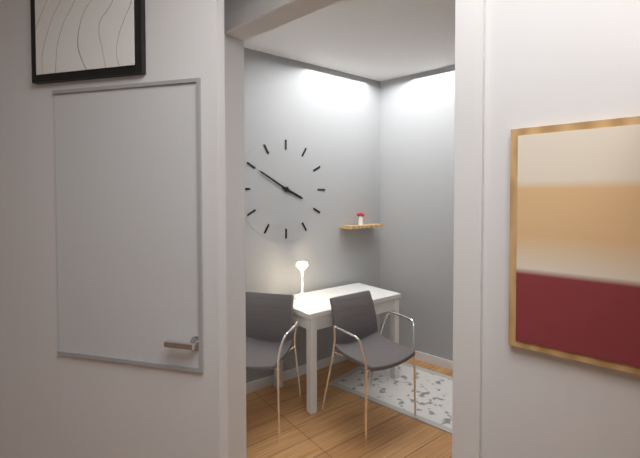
3:50
